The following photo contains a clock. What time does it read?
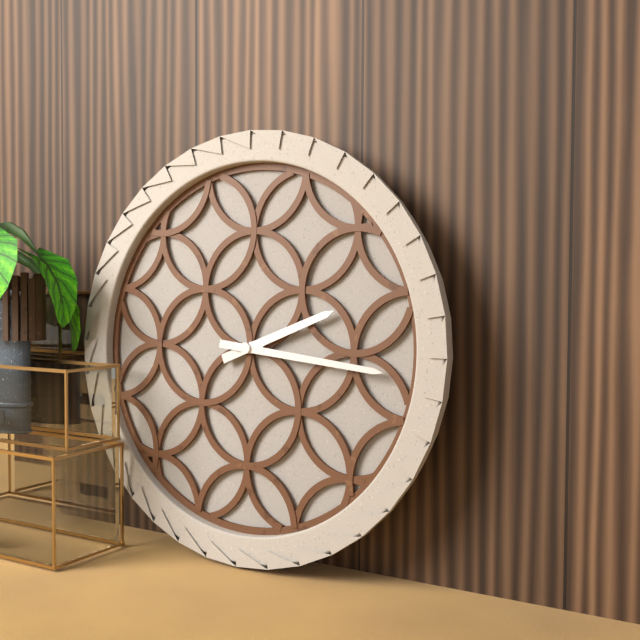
2:16
